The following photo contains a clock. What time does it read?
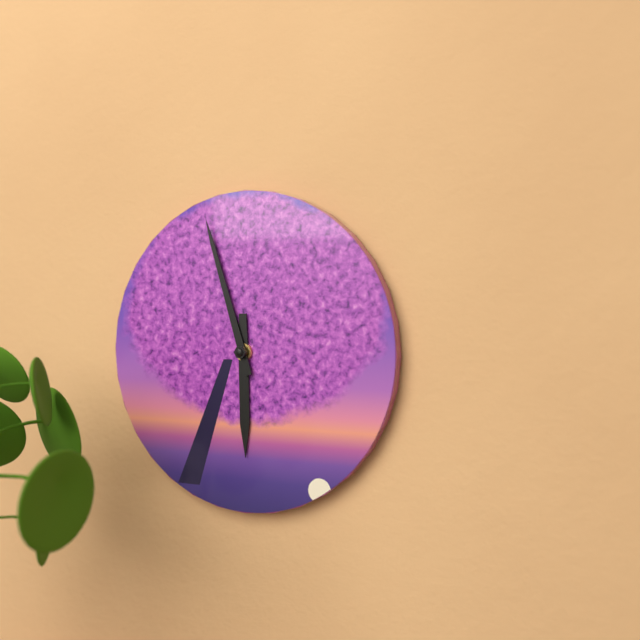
5:57
